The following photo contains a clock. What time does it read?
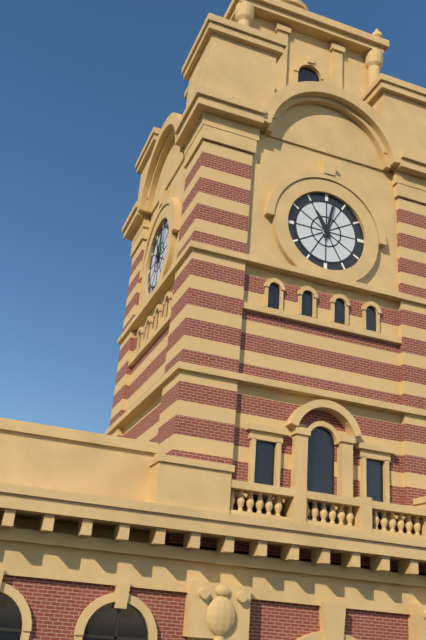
11:02
